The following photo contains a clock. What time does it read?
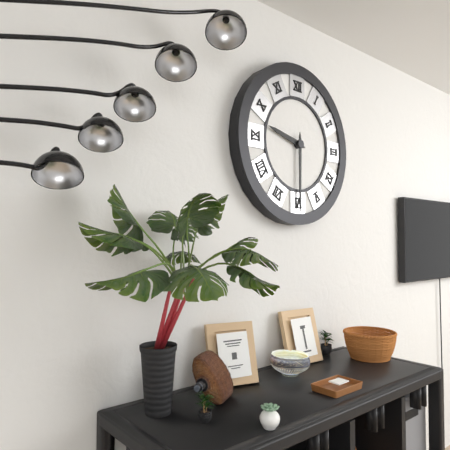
9:30
